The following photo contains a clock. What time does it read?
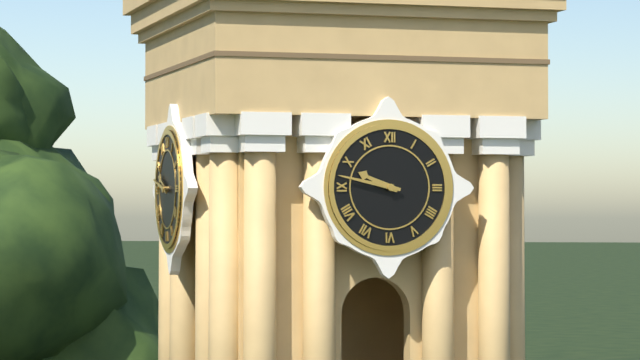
9:47
